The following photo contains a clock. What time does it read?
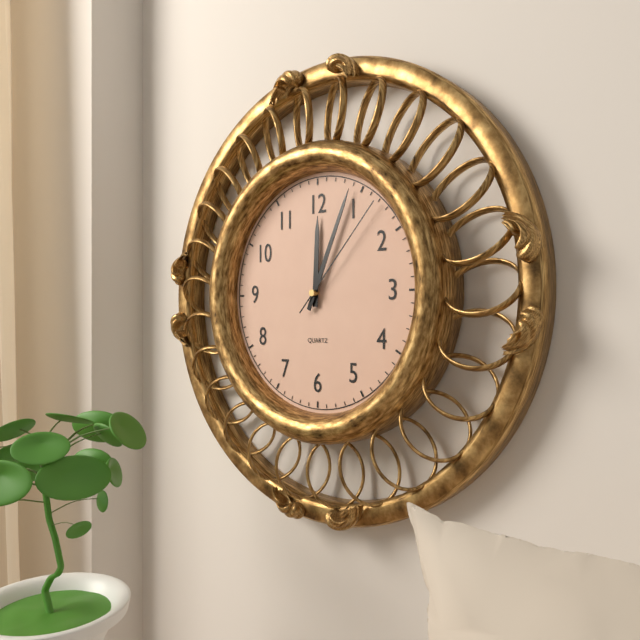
12:04:07
